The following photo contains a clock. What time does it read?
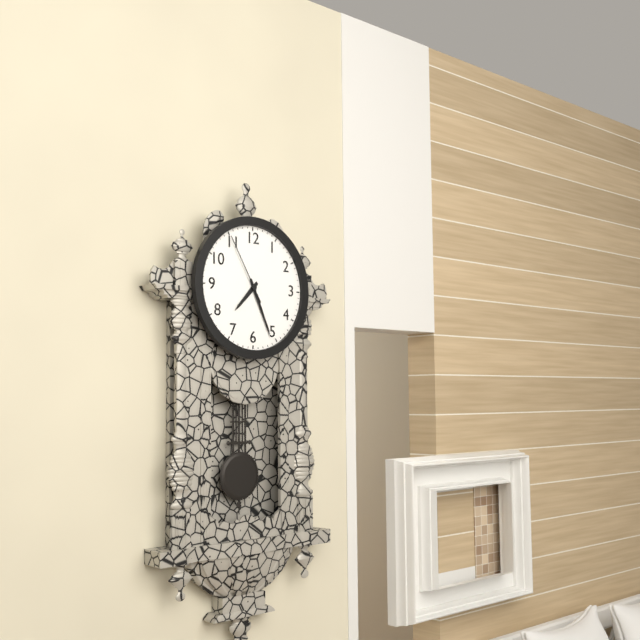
7:26:55
